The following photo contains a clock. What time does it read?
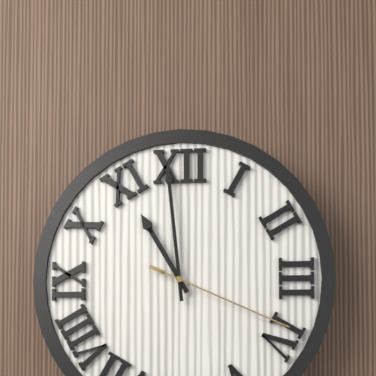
10:59:19
